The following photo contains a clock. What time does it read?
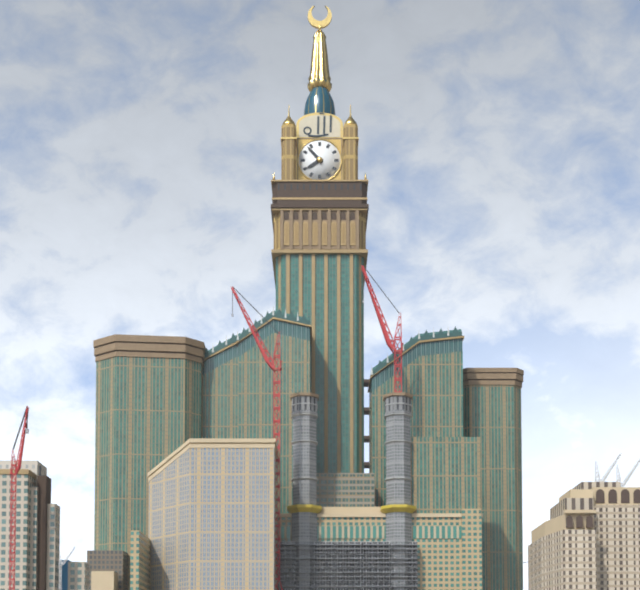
7:53
